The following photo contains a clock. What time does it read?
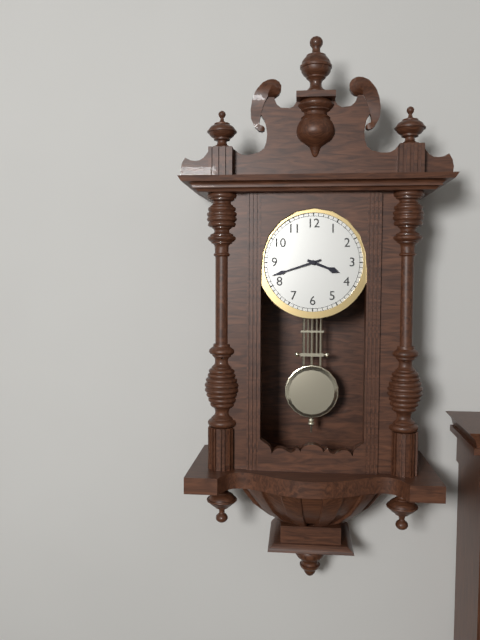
3:42
